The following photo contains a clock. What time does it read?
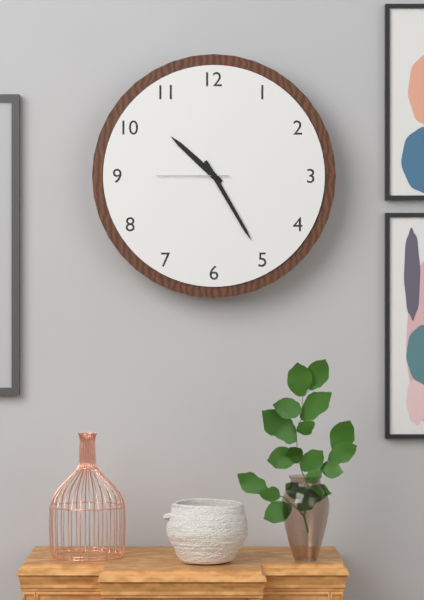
10:25:45
